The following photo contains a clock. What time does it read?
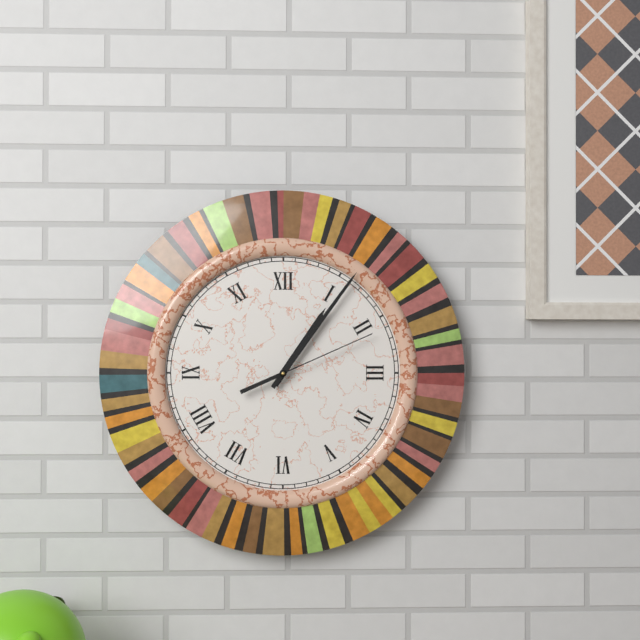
1:06:11
